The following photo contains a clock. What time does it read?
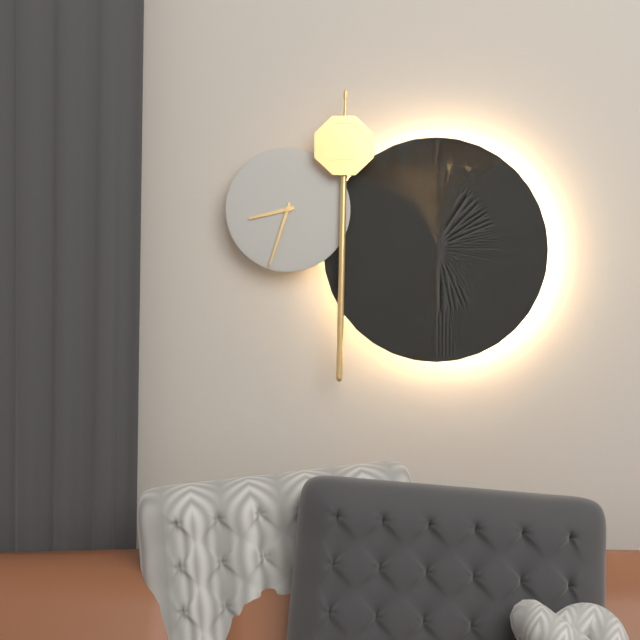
8:33
